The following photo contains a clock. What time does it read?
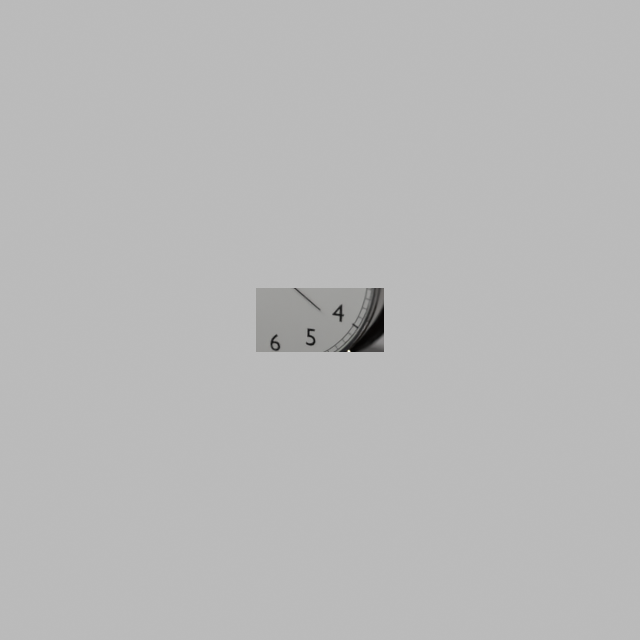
9:11:21
